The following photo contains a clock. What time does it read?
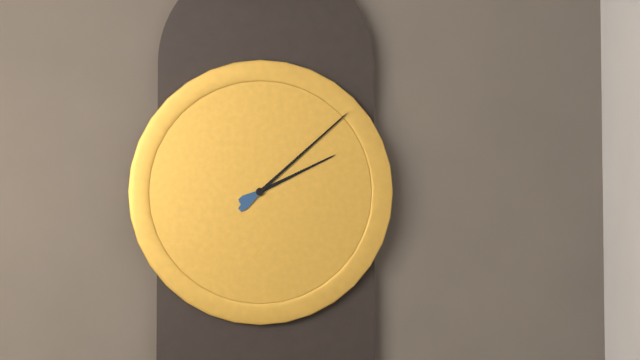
2:08
